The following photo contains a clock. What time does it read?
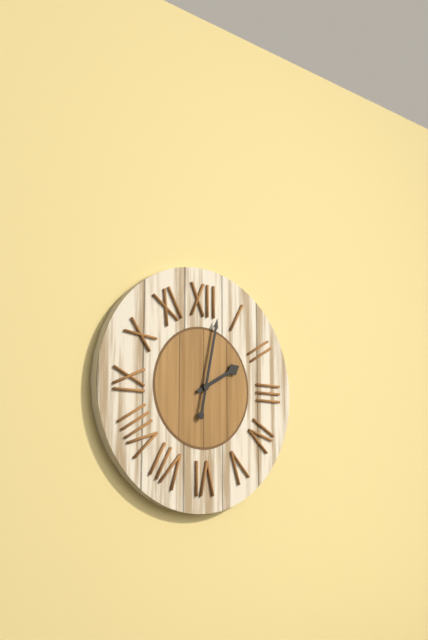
2:02
